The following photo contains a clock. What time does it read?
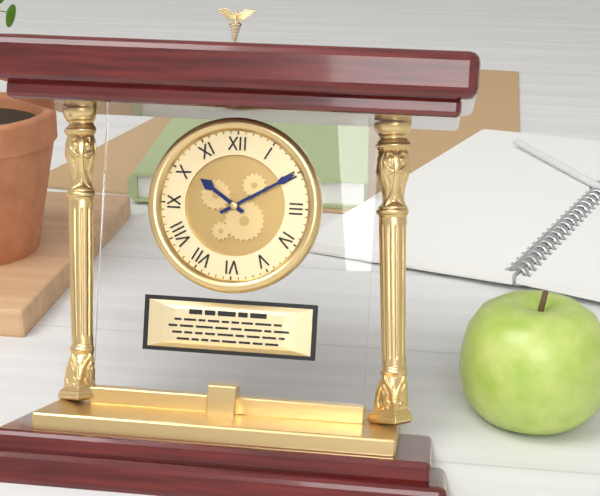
10:10
